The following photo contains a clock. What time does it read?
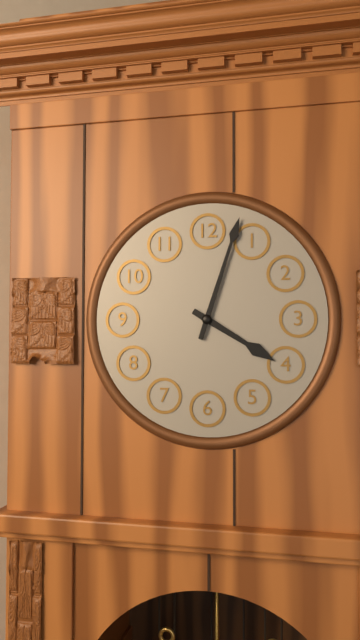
4:03
